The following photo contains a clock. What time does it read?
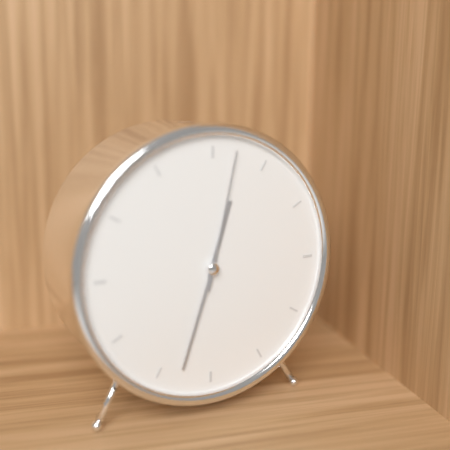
12:33:02
